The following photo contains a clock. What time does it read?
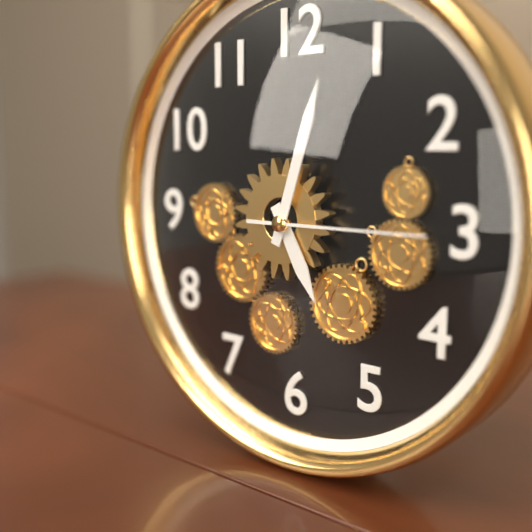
5:03:15
